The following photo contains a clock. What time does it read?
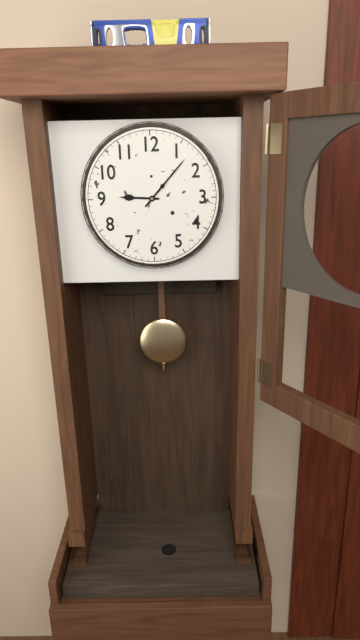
9:07
